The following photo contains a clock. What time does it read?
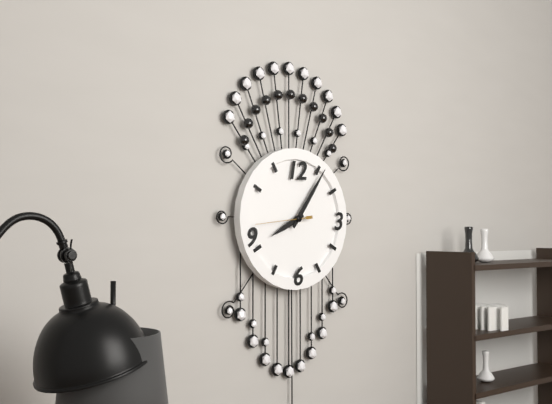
8:06:44
